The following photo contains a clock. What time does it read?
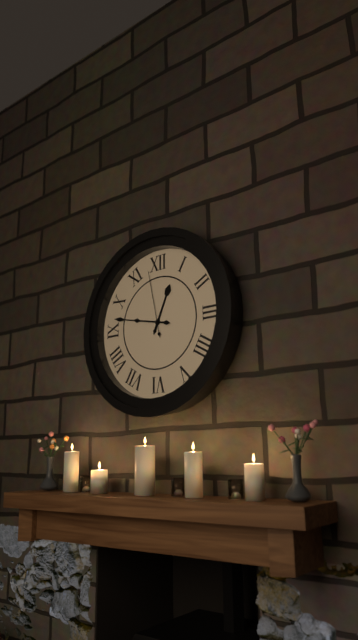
12:47:58
